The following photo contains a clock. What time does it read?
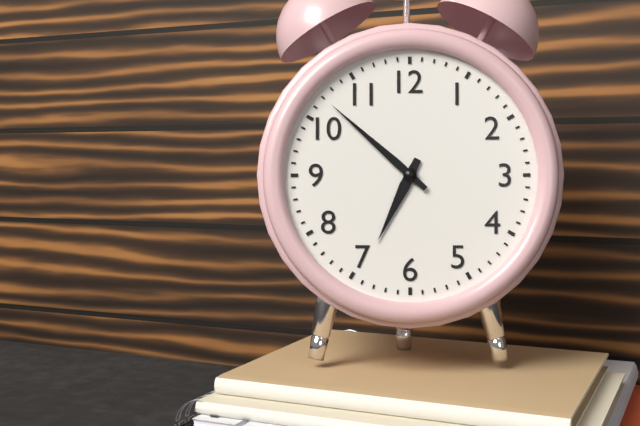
6:52
